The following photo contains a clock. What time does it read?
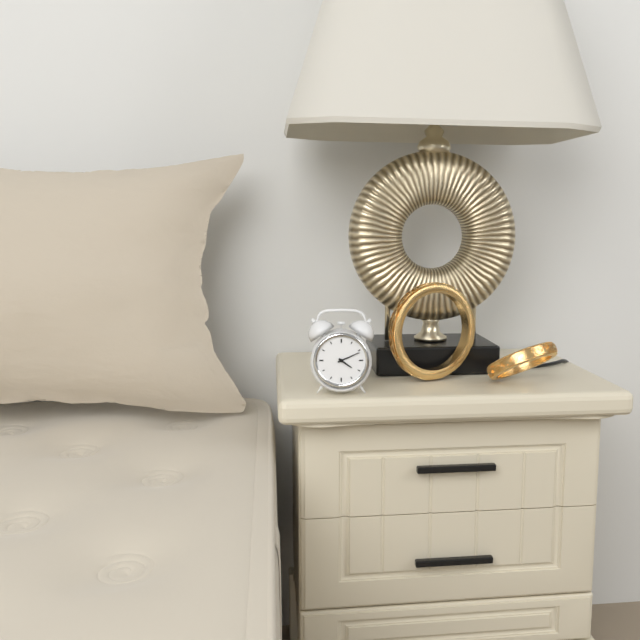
4:11
